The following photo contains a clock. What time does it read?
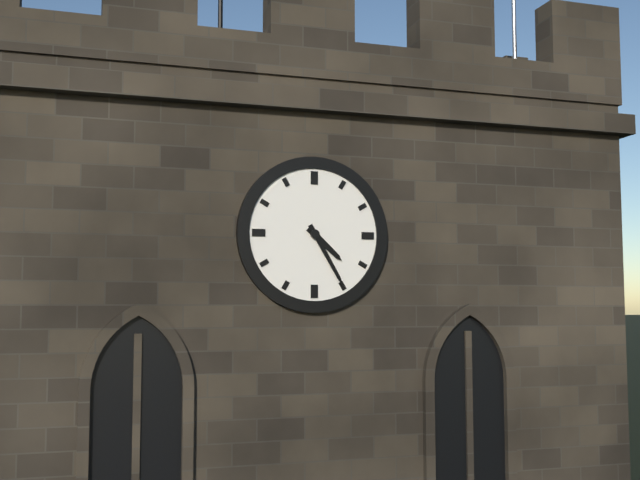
4:25
